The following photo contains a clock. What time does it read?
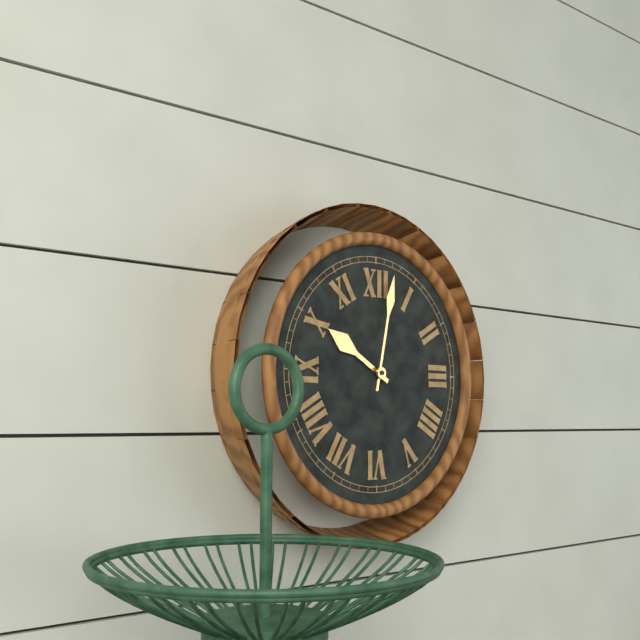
10:02
